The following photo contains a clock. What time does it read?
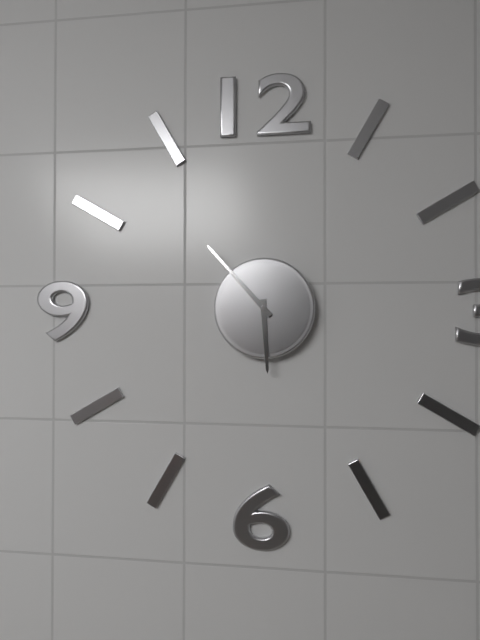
5:53
